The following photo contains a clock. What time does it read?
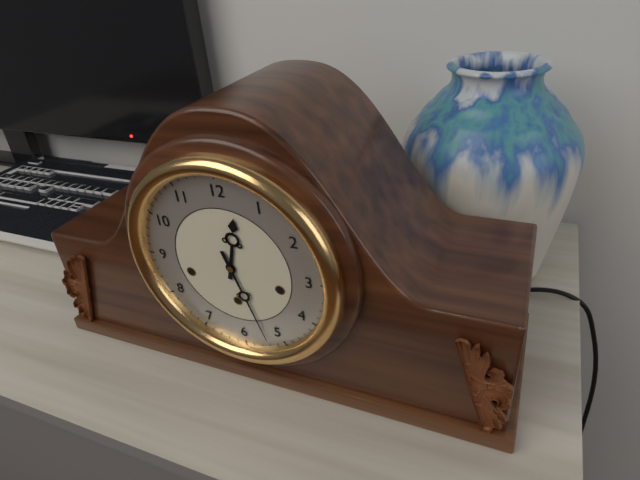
12:27
